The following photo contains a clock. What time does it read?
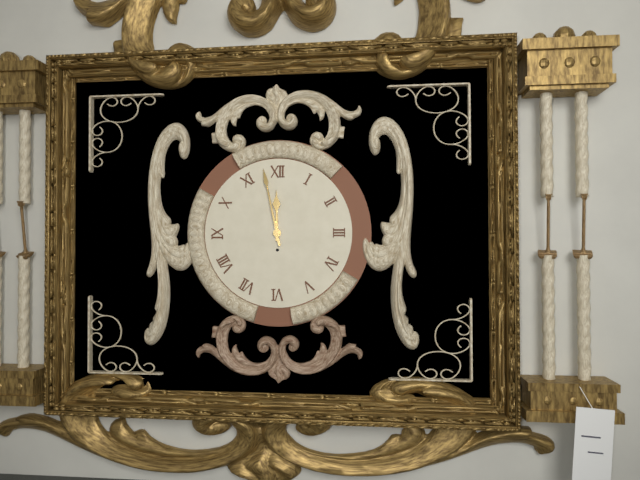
11:58
